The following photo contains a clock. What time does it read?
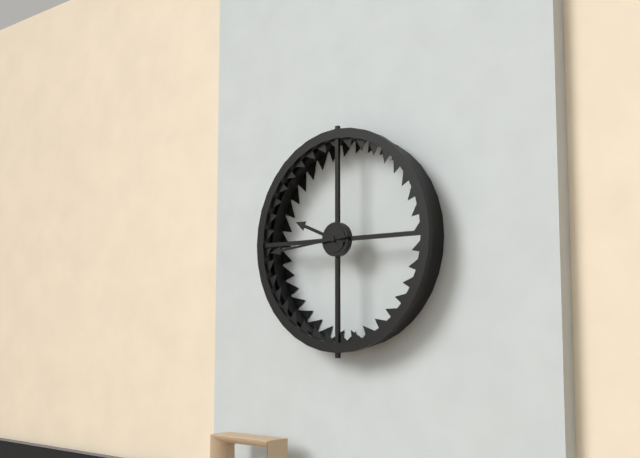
9:44
